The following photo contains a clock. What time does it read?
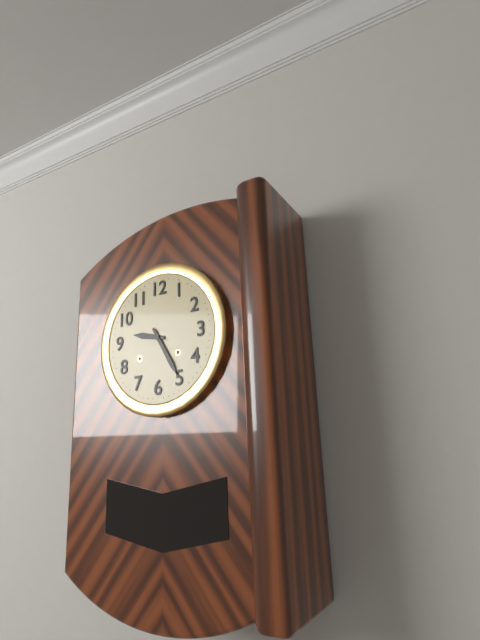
9:25
